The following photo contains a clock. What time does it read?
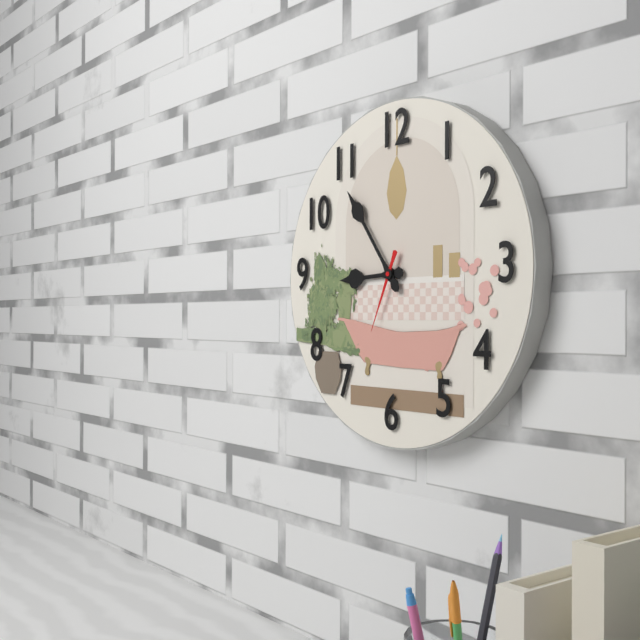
8:54:34
